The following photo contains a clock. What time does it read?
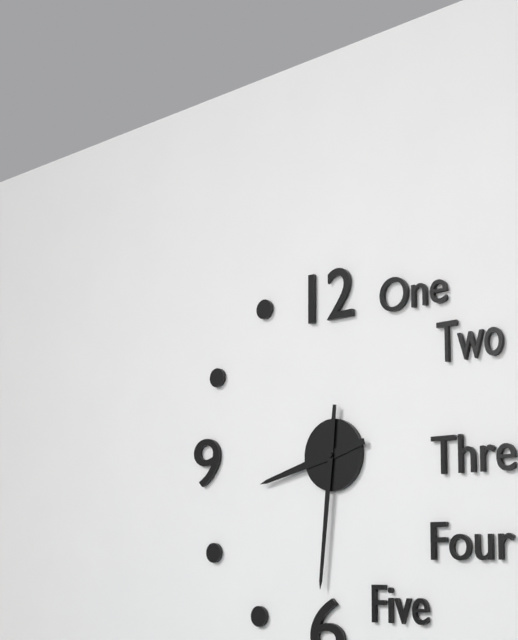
8:31
